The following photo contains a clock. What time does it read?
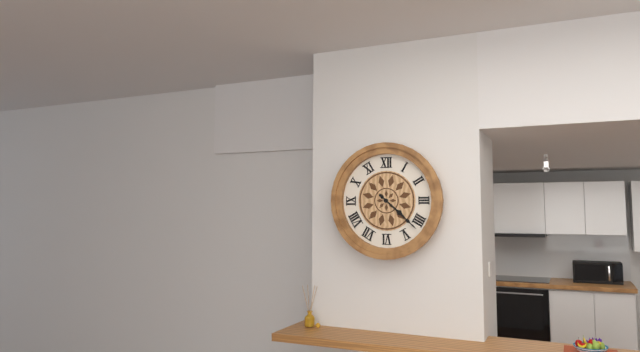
4:22
